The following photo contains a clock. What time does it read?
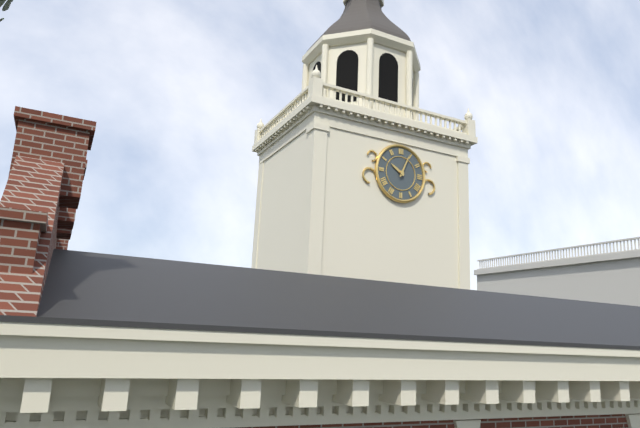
10:04
